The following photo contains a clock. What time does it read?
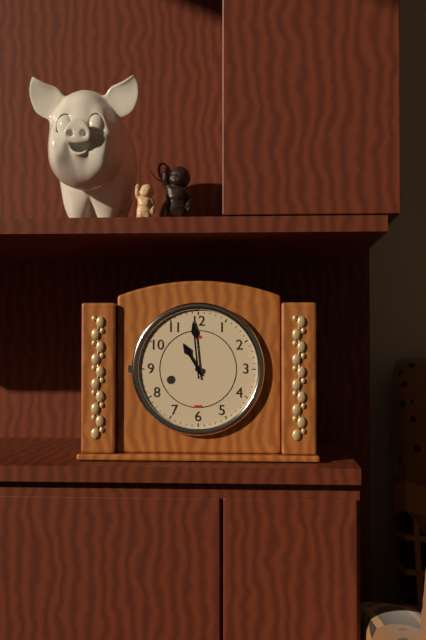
10:59
